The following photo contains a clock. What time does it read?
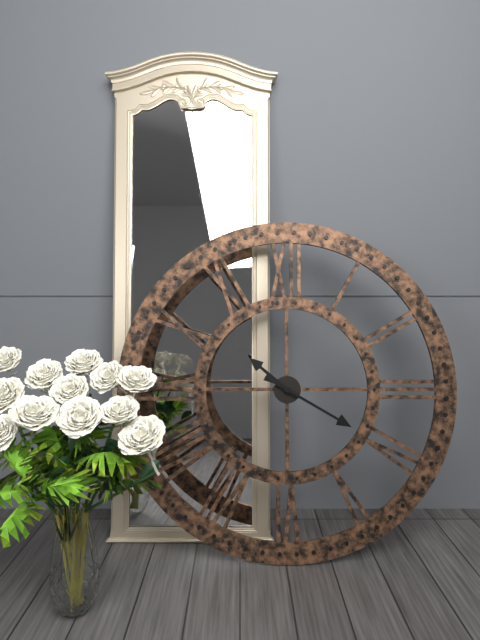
10:20
